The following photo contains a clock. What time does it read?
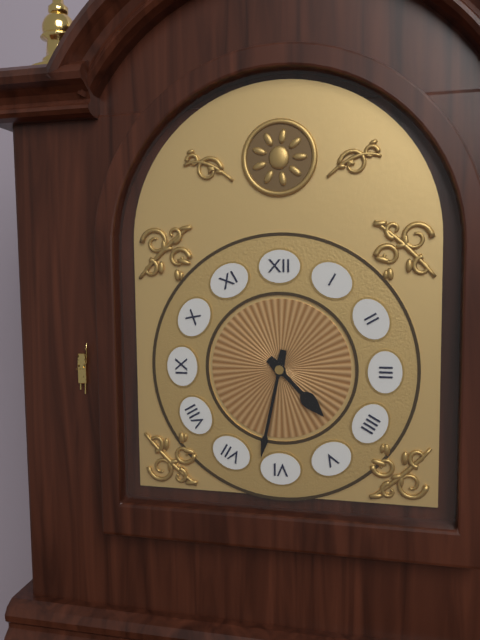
4:32
